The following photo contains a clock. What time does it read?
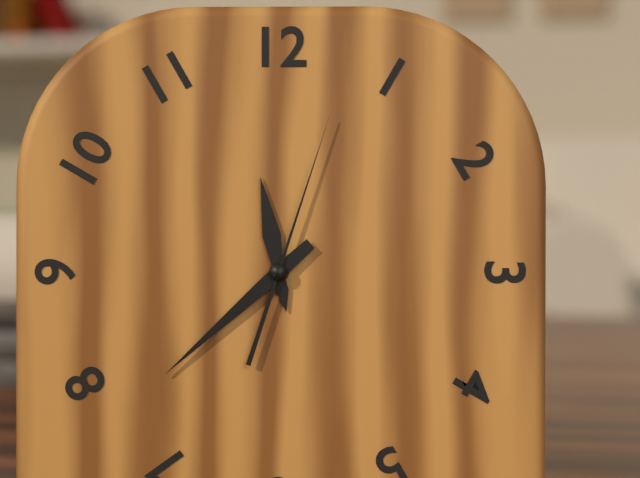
11:38:03
